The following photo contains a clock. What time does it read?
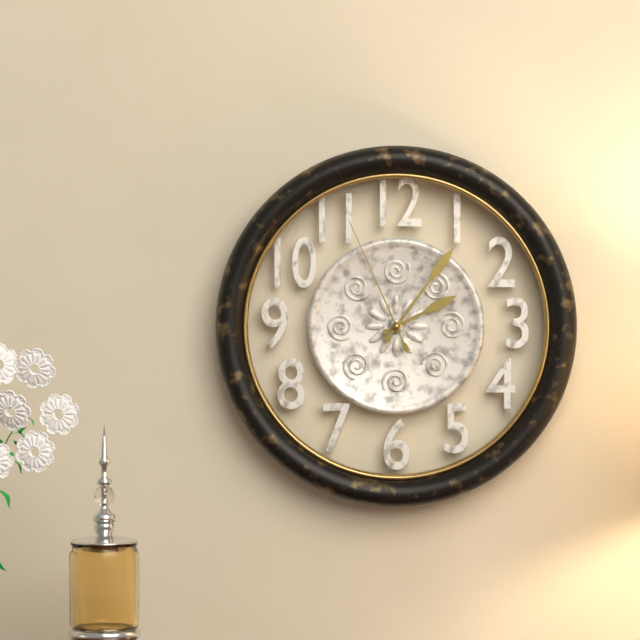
2:06:56
